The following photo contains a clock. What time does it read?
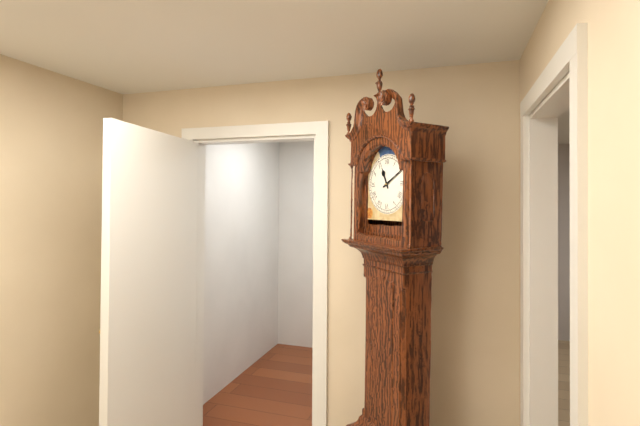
11:10
